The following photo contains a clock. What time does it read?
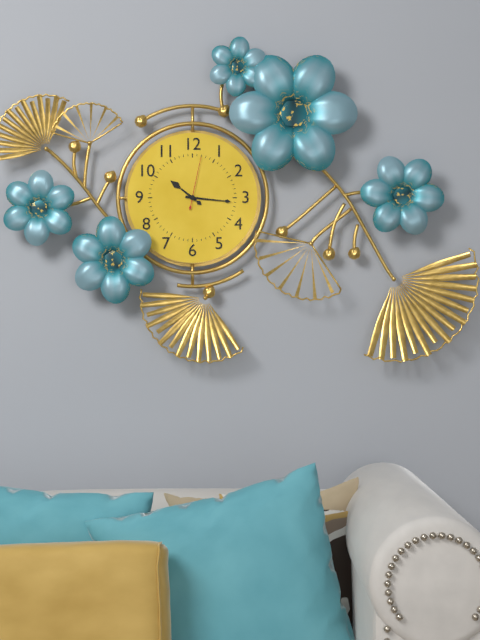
10:16:02
